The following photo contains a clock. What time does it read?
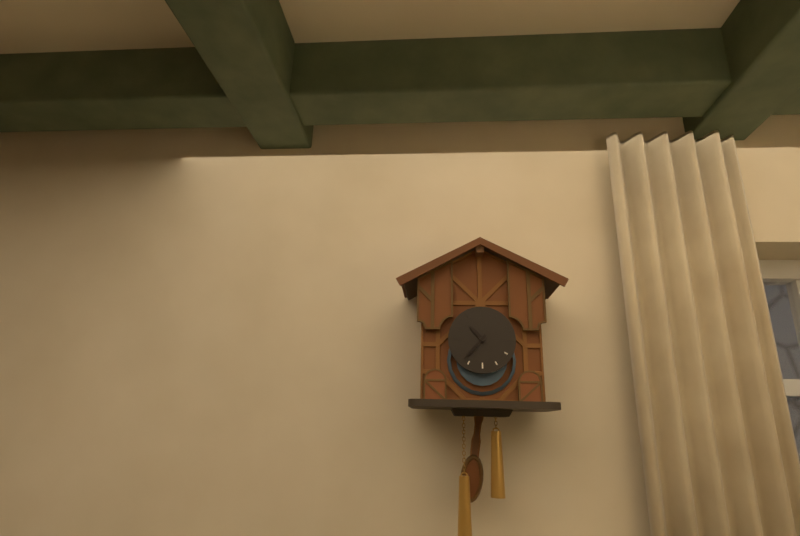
10:37
